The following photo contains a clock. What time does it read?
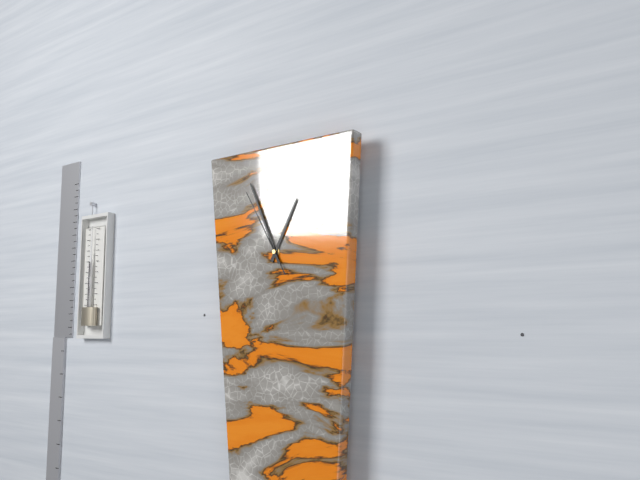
12:56:55
